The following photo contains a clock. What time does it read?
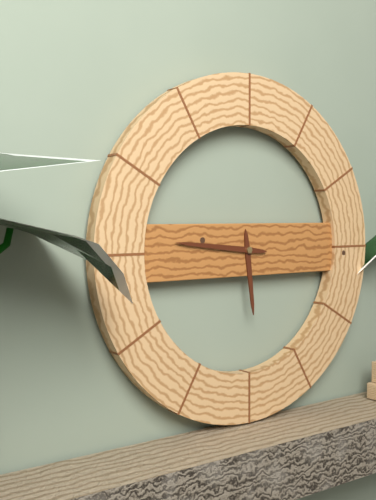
5:46
